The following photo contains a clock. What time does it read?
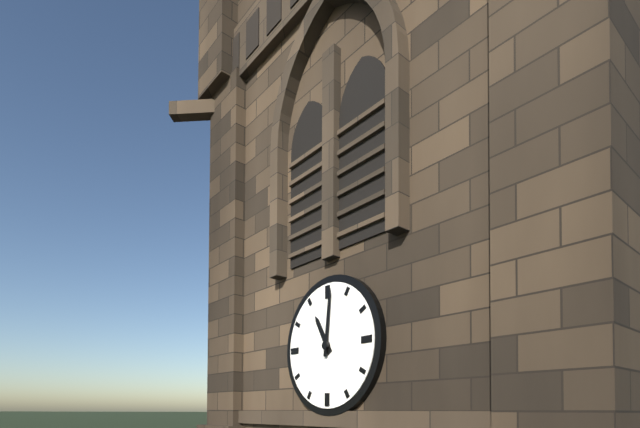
11:01
